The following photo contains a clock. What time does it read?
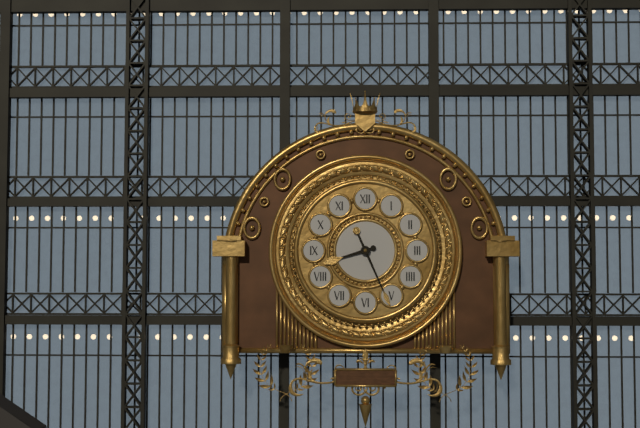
8:26
